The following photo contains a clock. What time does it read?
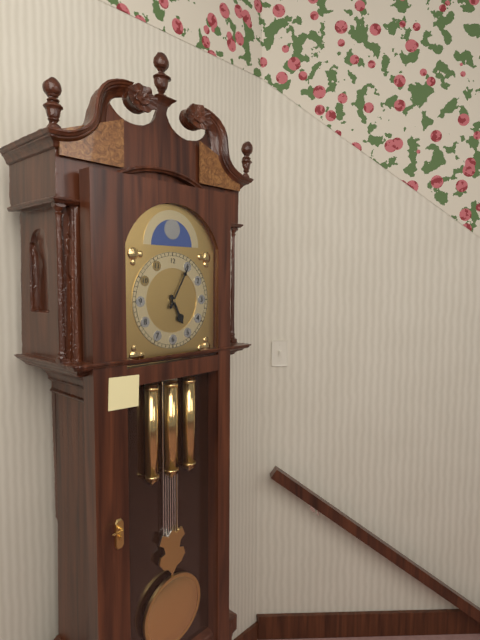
5:05
